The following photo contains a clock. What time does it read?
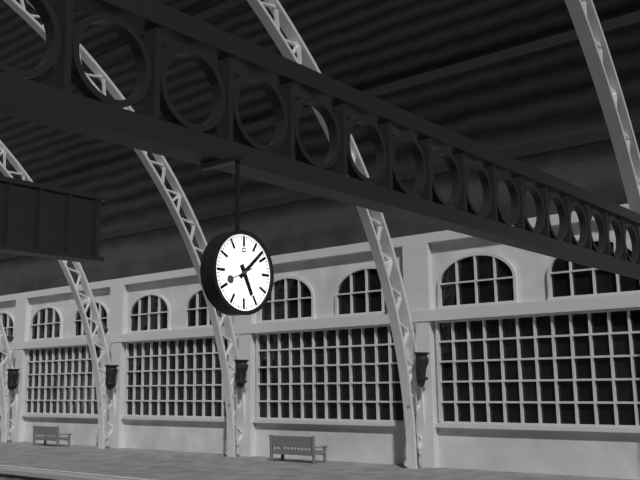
5:08
